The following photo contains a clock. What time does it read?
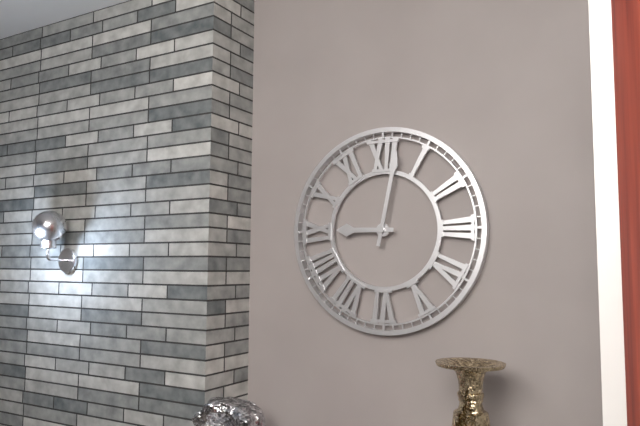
9:02
